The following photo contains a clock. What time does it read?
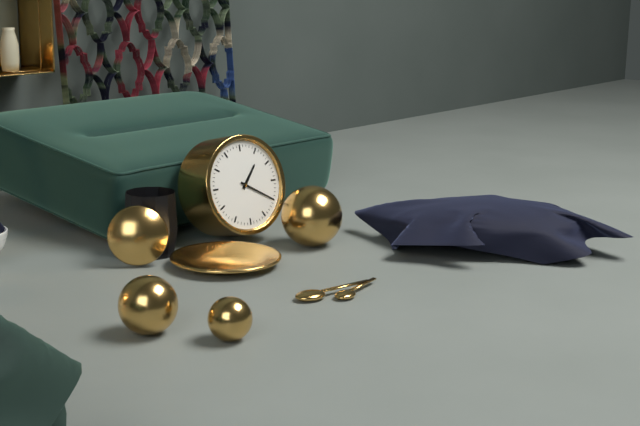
1:20
